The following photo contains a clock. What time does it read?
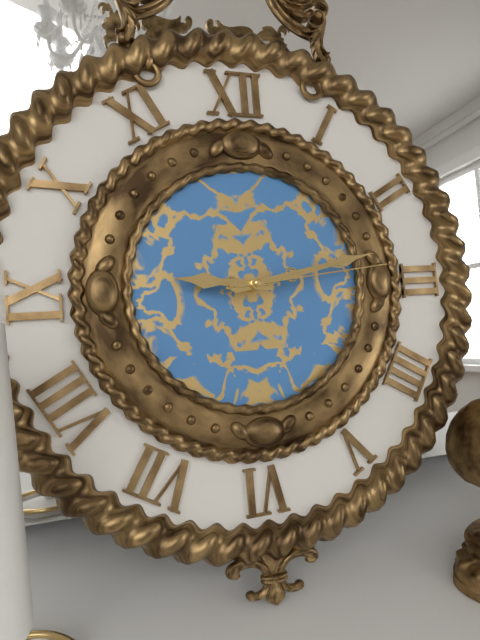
9:13:14
